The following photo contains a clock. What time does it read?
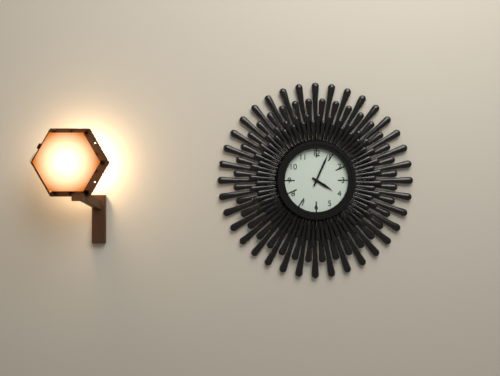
4:04
